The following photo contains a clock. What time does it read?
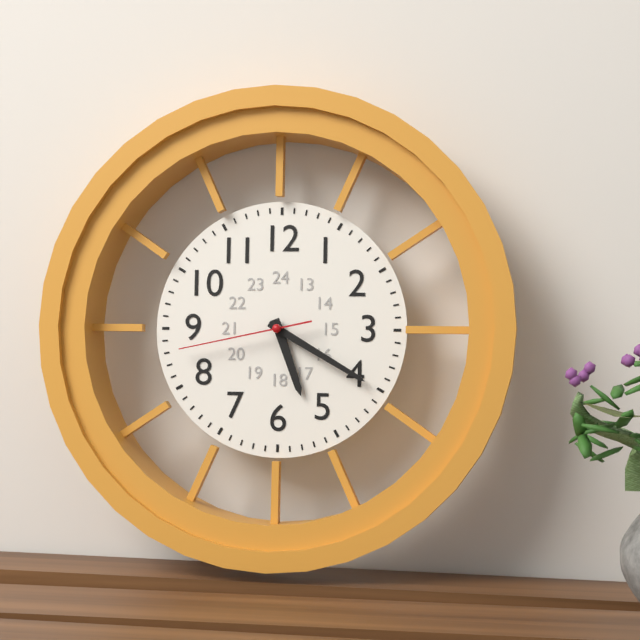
5:20:43
